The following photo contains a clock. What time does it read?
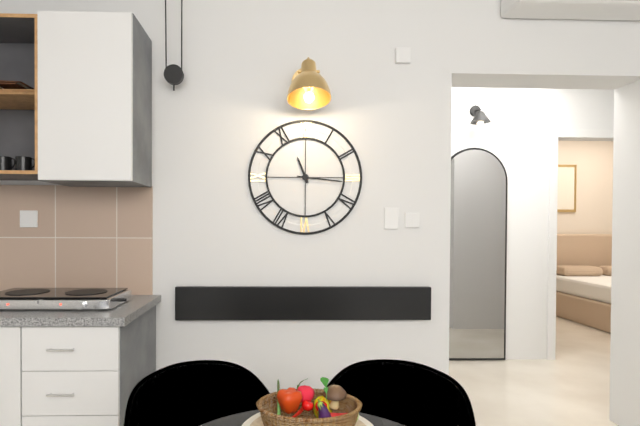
11:16
